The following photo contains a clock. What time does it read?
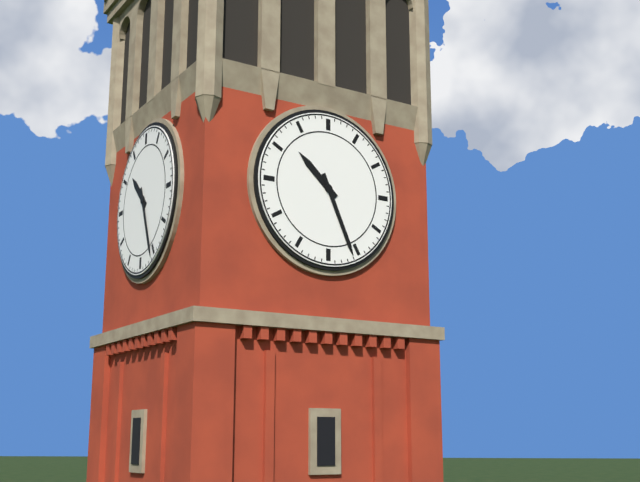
10:26
